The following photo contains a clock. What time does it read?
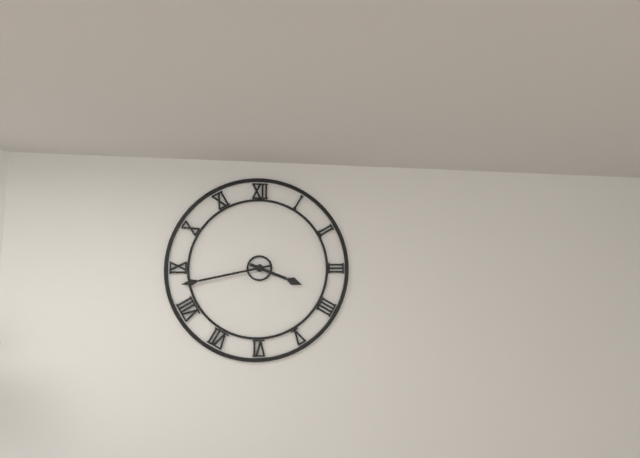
3:43
